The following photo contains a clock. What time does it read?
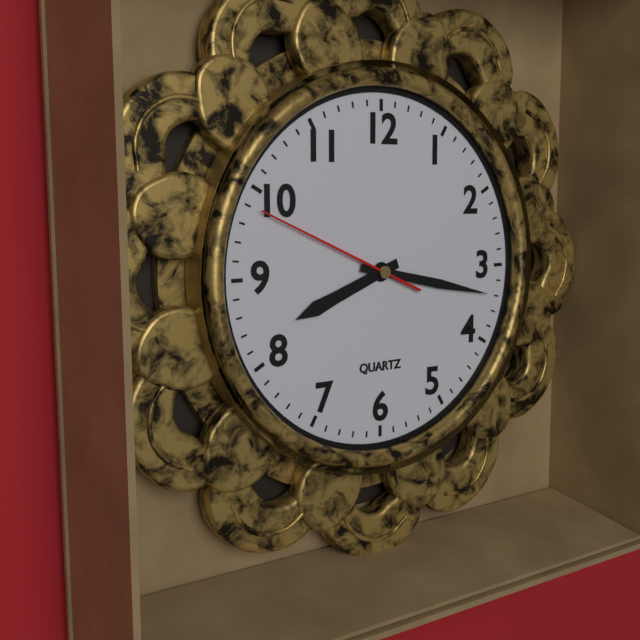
8:17:49
